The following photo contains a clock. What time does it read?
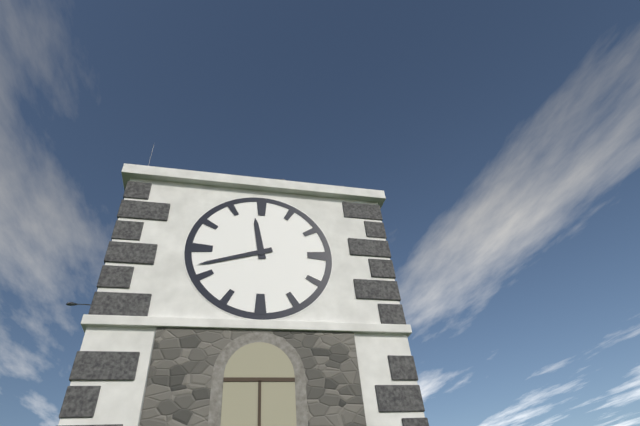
11:42
